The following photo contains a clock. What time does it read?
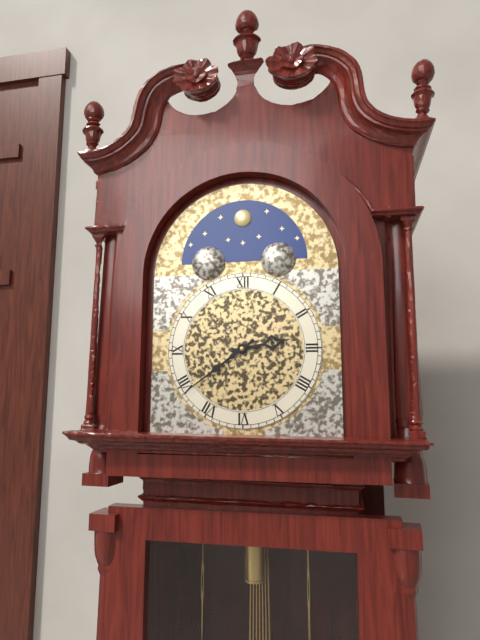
2:39
